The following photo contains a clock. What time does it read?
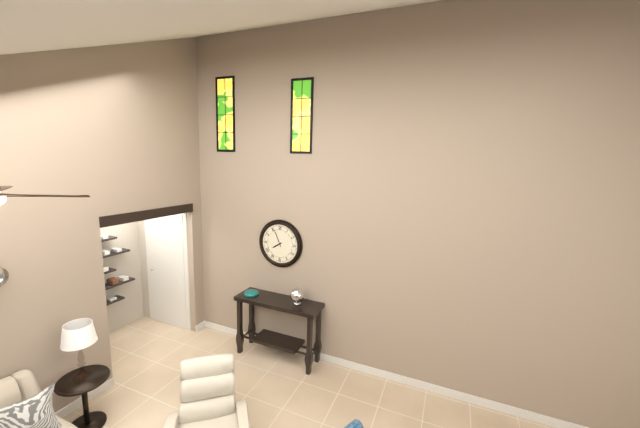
7:56
